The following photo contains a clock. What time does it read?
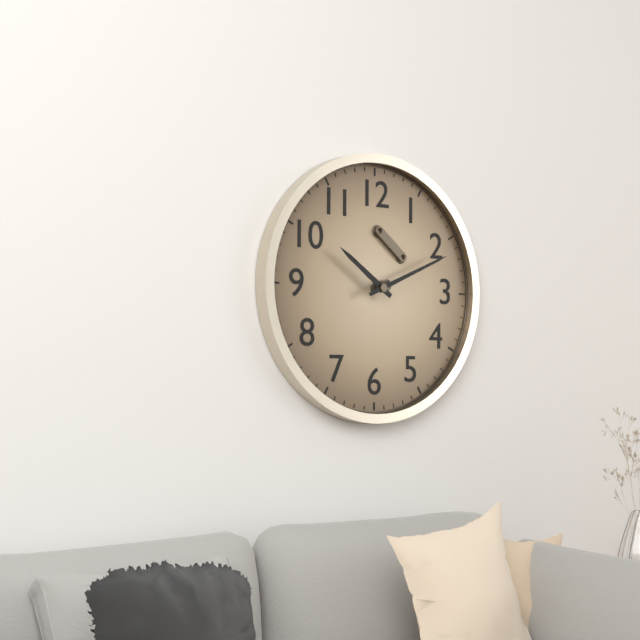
10:11
